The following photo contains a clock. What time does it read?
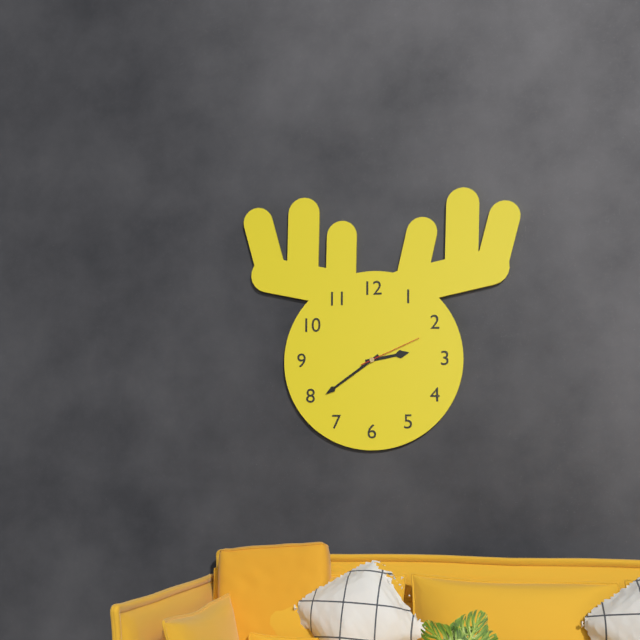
2:39:11
